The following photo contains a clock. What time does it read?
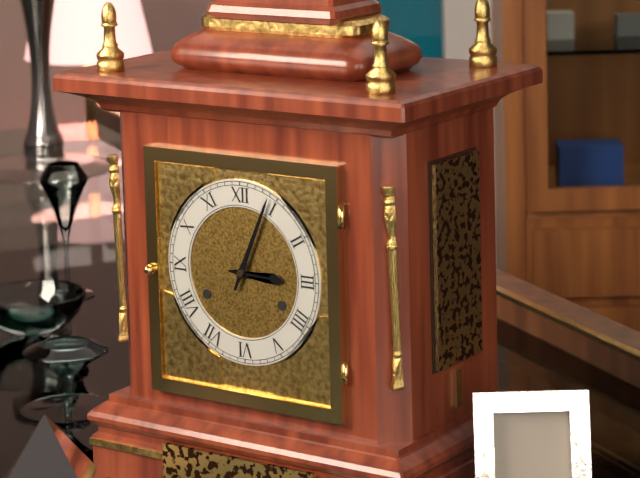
3:04
